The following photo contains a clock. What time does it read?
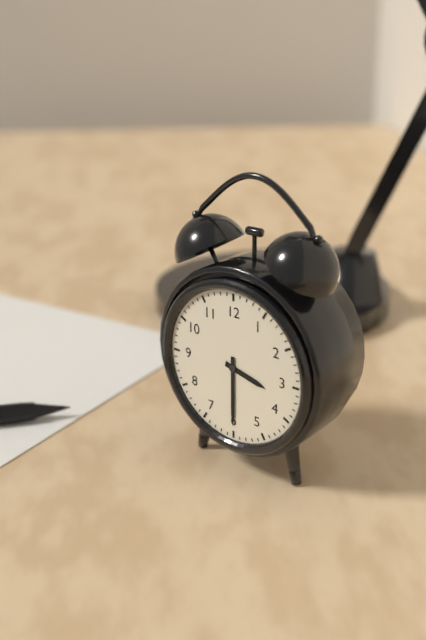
3:30
